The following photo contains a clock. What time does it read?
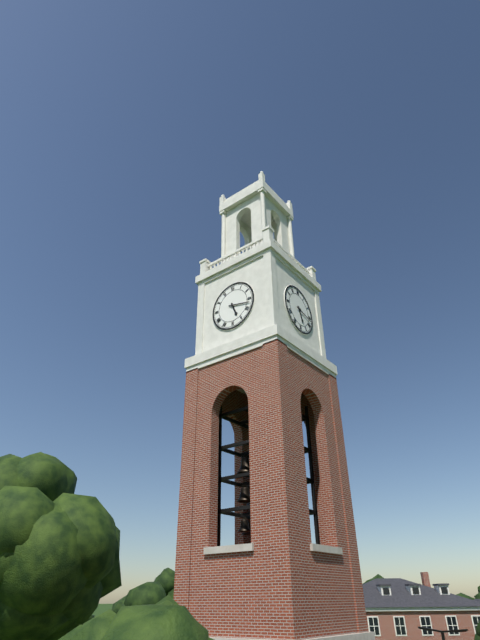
5:17
